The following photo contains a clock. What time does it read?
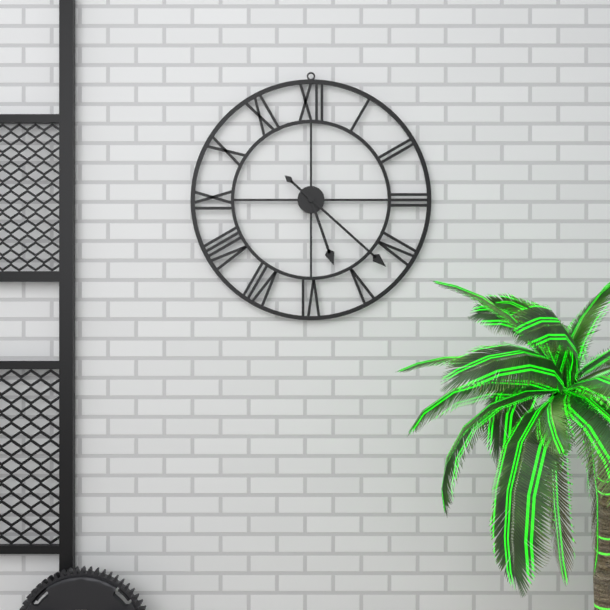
5:22
